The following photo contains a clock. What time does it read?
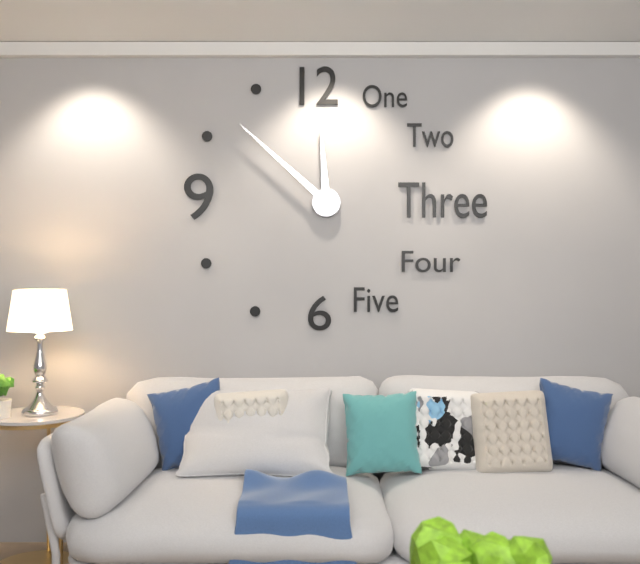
11:52
